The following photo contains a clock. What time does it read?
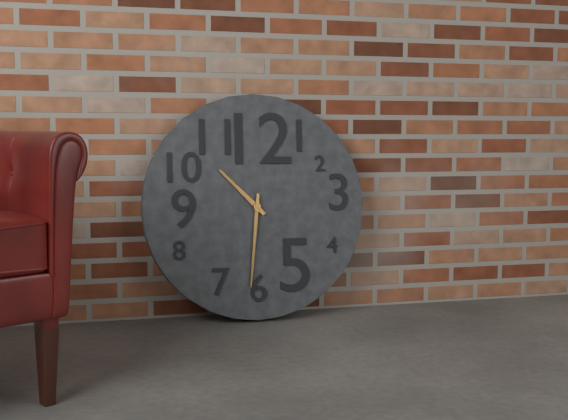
10:31
